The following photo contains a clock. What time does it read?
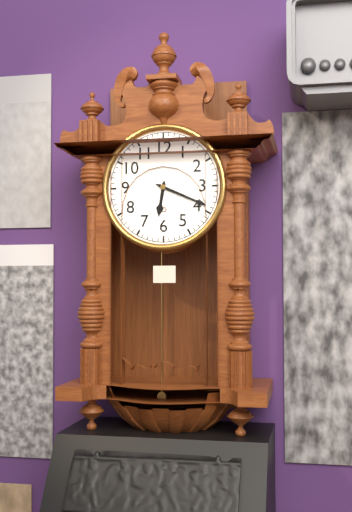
6:19
